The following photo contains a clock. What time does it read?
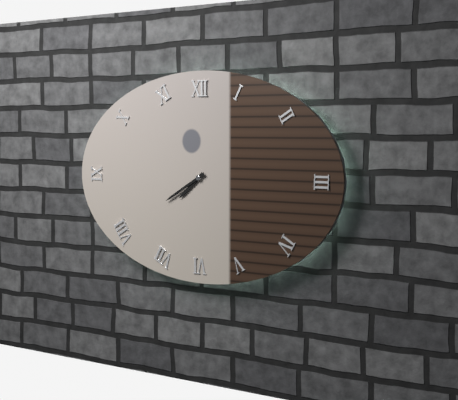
7:40
